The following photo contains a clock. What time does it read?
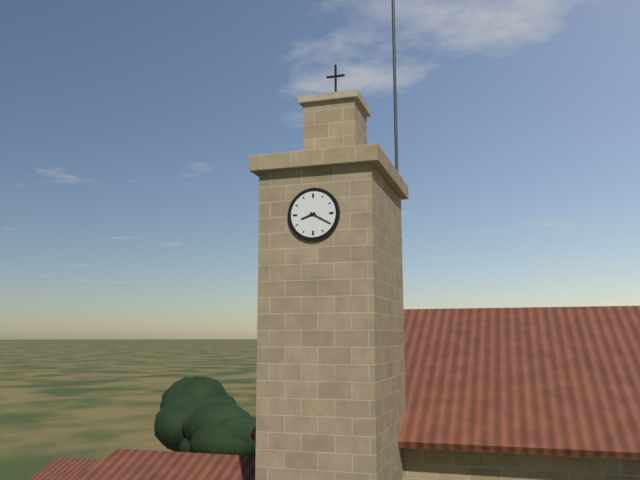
8:20
